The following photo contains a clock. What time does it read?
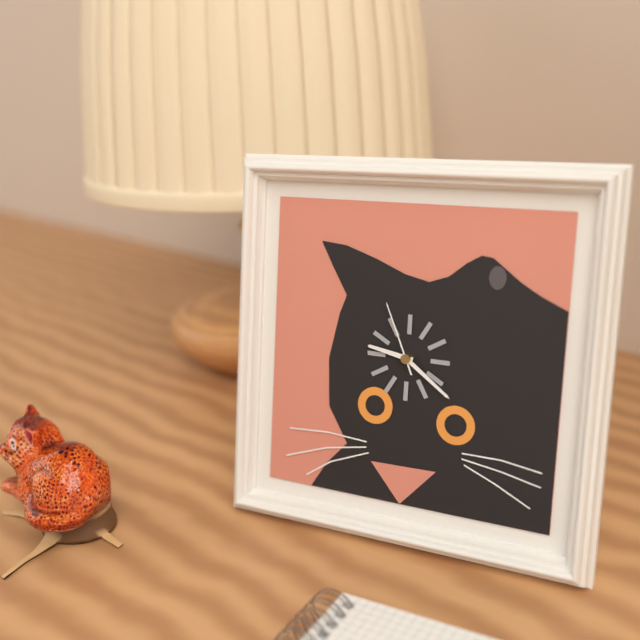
9:21:56
